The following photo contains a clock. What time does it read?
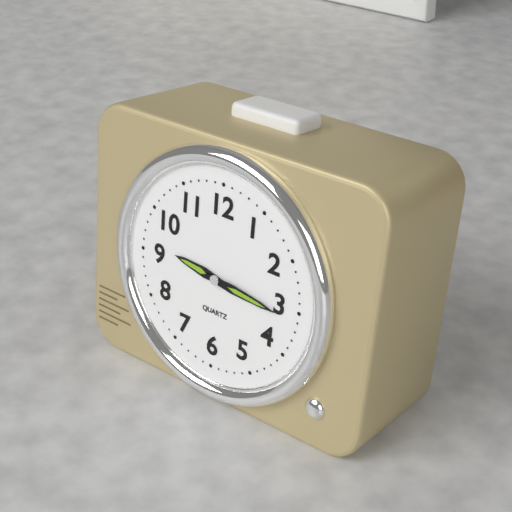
9:16
